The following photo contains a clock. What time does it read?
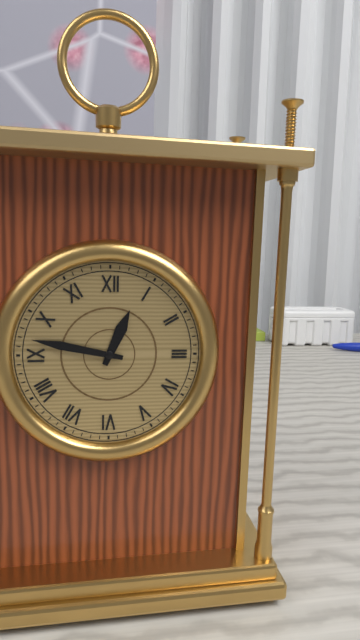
12:47
